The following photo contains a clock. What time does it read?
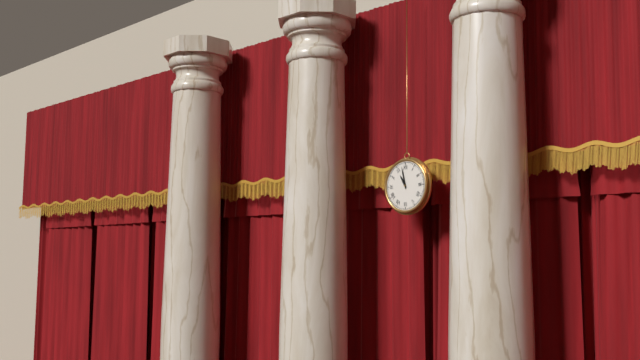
10:58
